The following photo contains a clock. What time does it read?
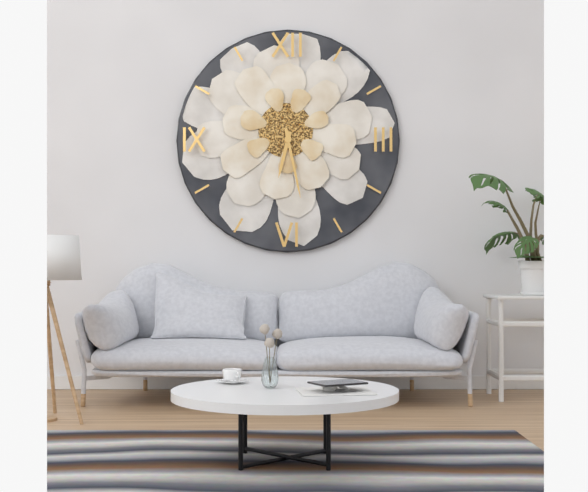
6:28
